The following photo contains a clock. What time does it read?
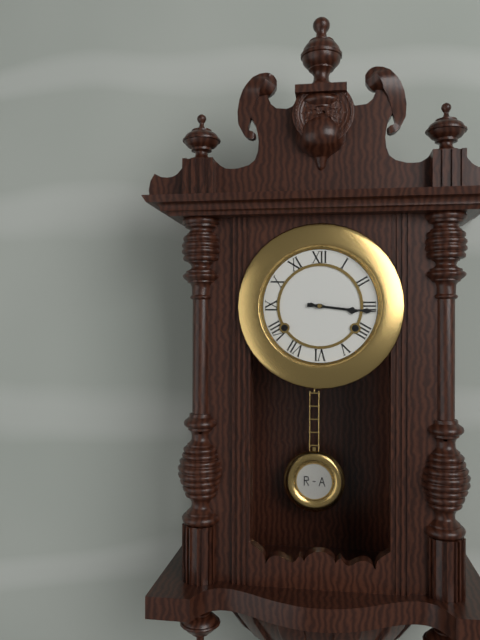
3:16
